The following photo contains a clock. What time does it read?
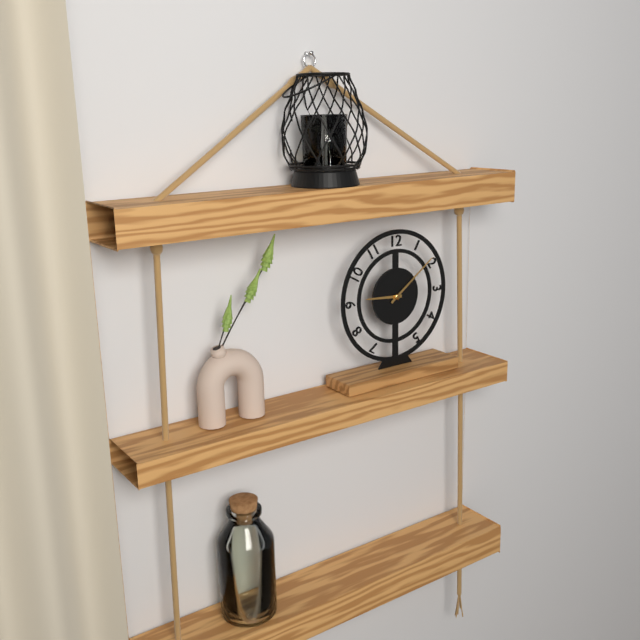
9:09
